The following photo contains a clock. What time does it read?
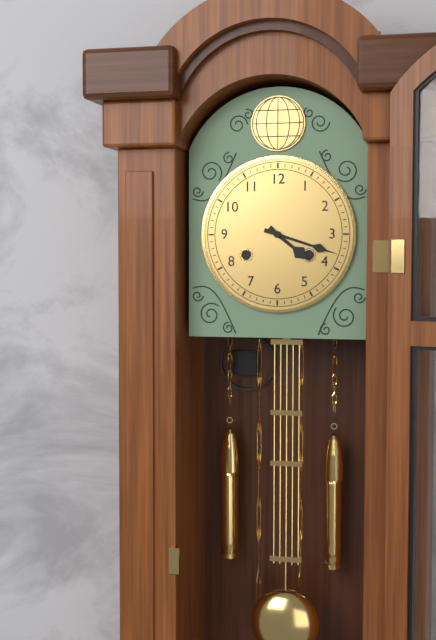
4:18
